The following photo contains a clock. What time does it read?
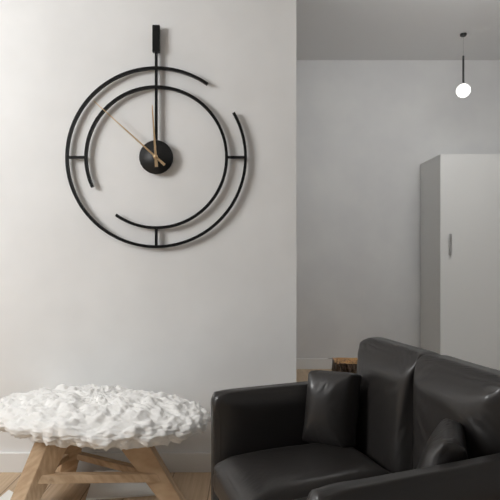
11:52
